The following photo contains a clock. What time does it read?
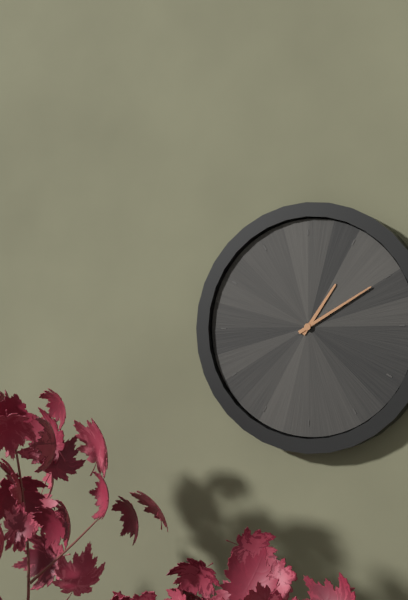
1:10
